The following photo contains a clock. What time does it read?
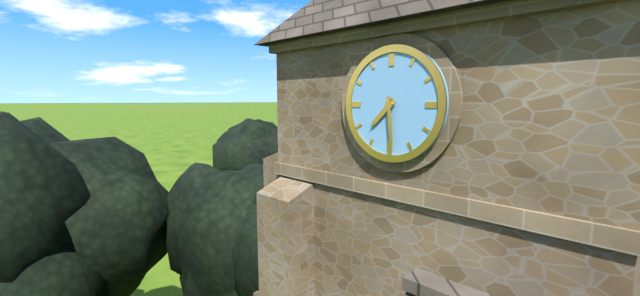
7:29
